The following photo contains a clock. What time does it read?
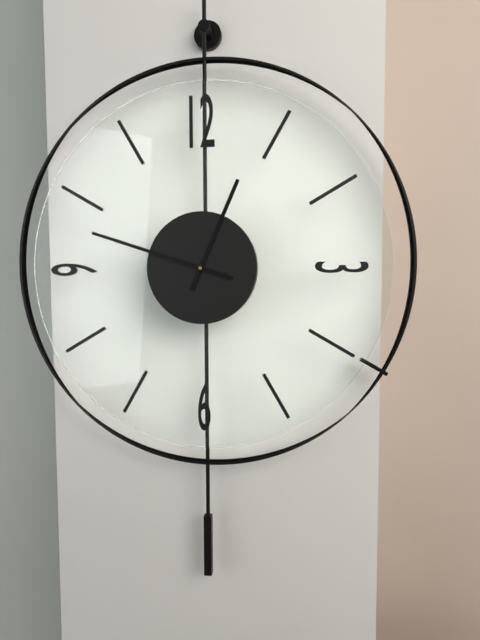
12:48
